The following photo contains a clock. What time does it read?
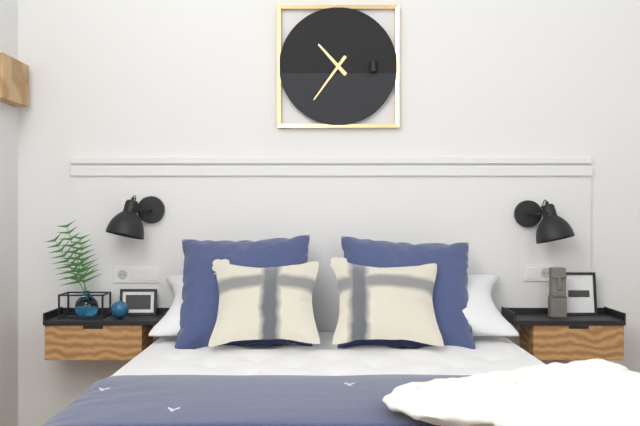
10:36
